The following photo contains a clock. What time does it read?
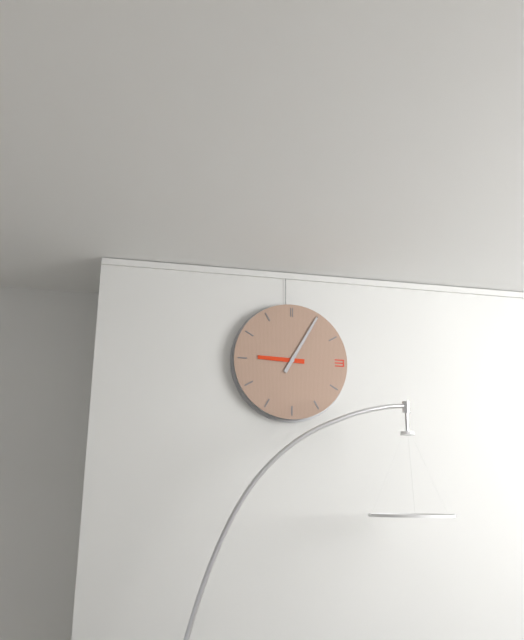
9:05
